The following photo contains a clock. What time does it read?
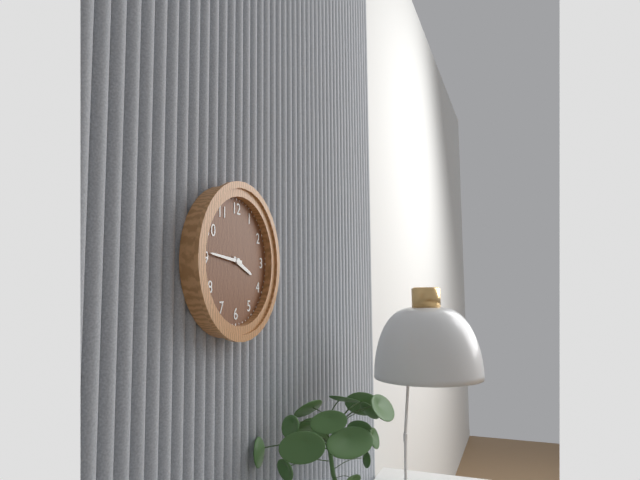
3:46
